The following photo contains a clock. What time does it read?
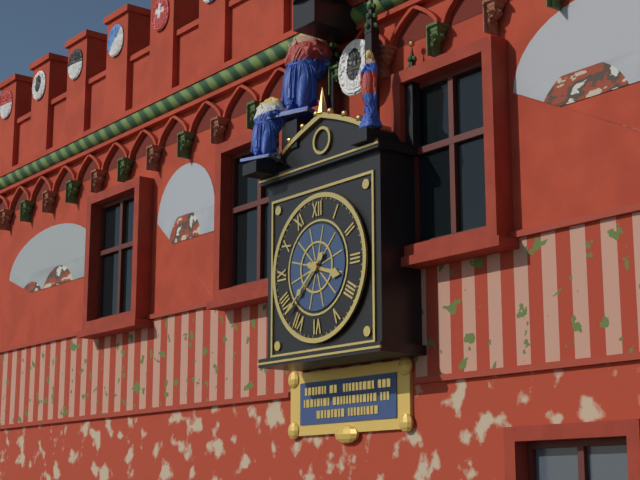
3:38
